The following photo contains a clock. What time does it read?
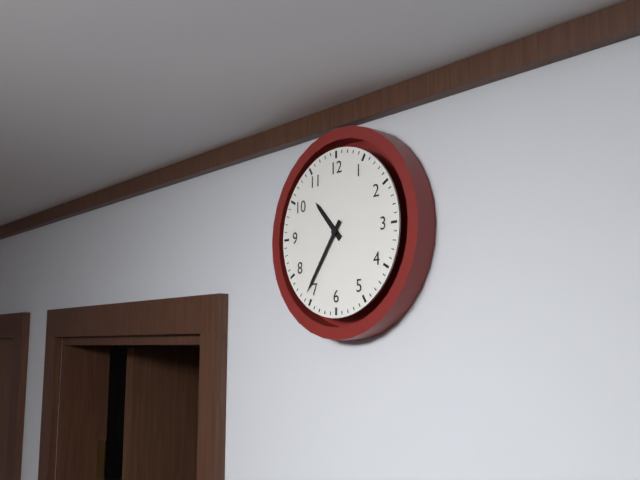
10:36
